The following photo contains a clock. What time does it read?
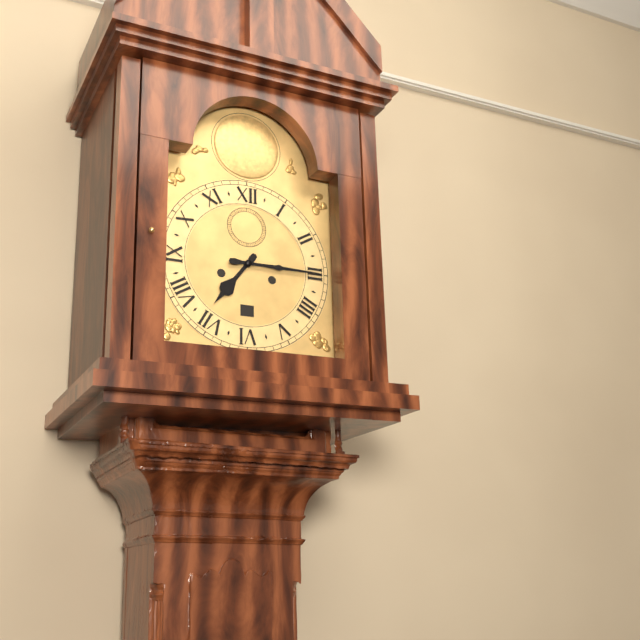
7:15
